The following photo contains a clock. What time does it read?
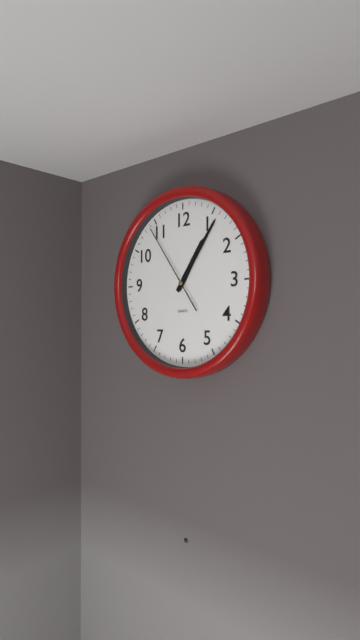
1:06:54
